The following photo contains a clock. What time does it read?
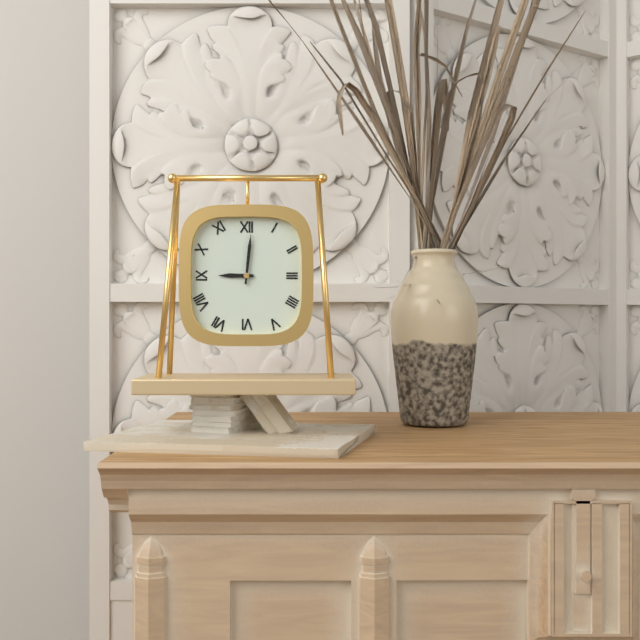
9:01
